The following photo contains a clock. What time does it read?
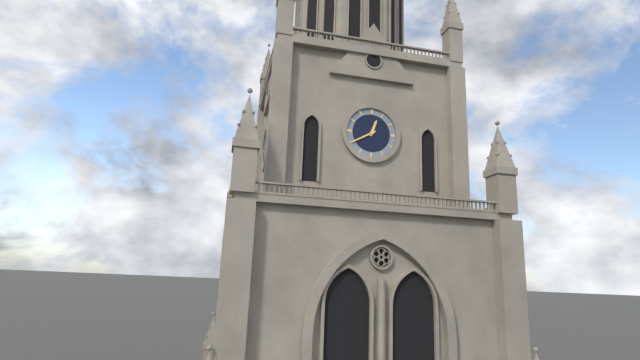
12:40
